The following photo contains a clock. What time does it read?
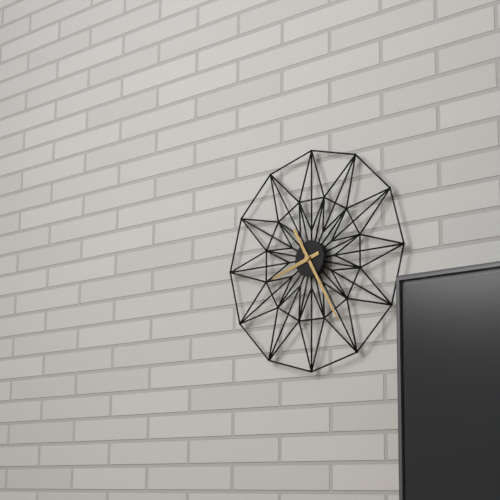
8:25
